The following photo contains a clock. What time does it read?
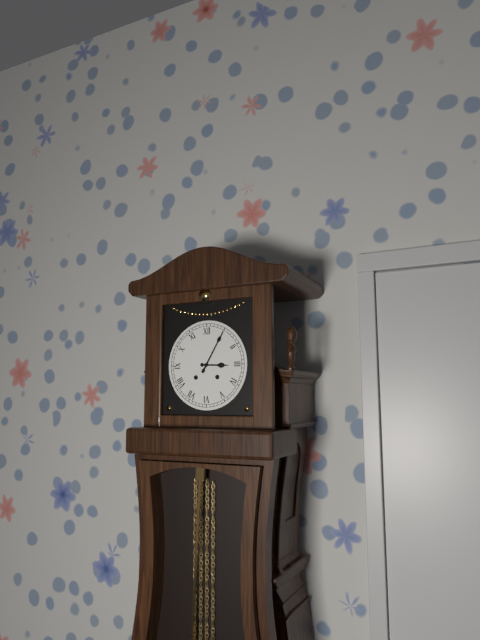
3:05
